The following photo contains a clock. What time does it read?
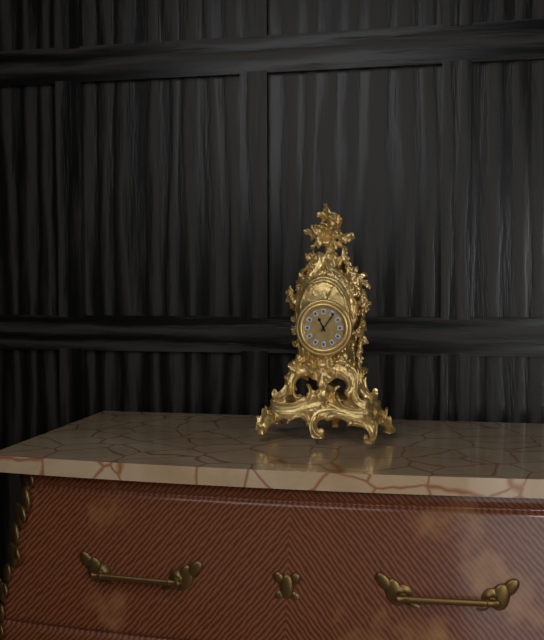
11:06
